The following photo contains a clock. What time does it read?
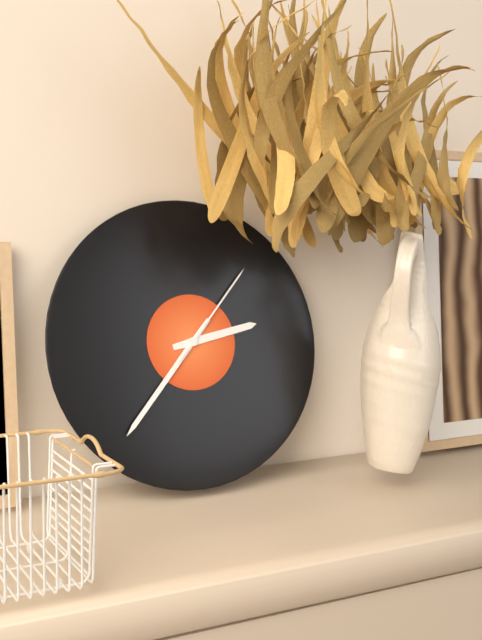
2:37:07
